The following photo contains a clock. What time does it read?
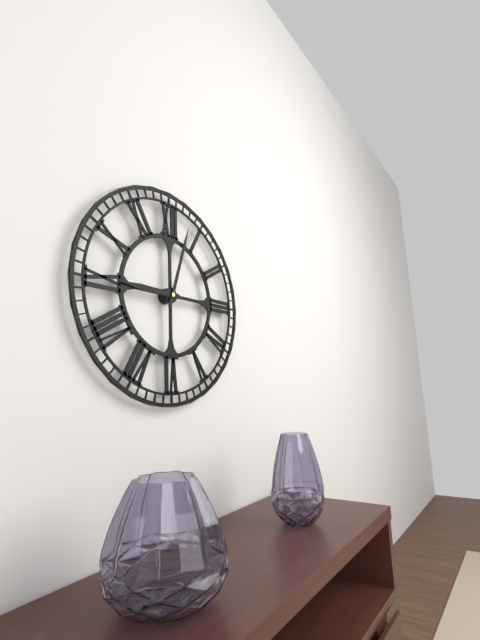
9:03
